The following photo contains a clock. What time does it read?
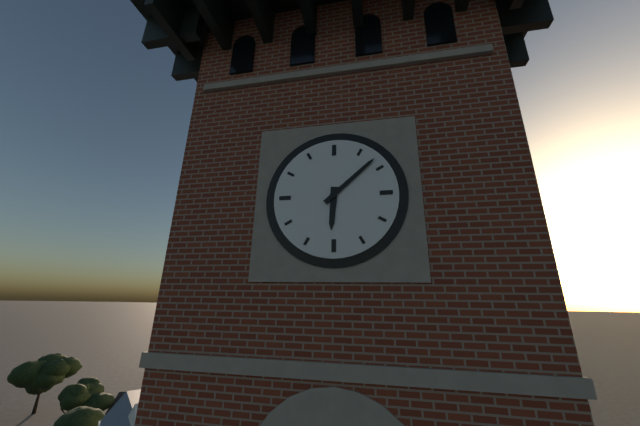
6:08
